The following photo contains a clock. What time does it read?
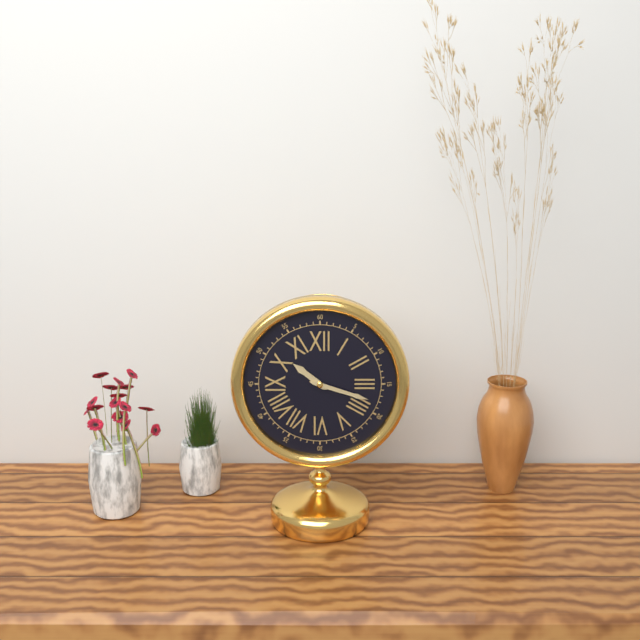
10:18
